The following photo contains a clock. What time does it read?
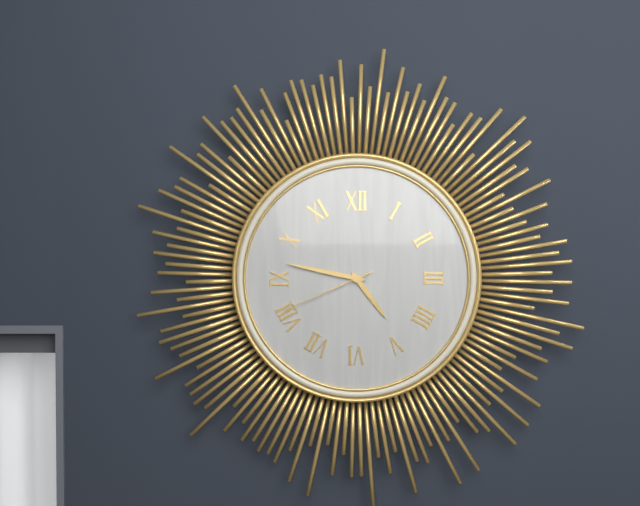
4:47:41
